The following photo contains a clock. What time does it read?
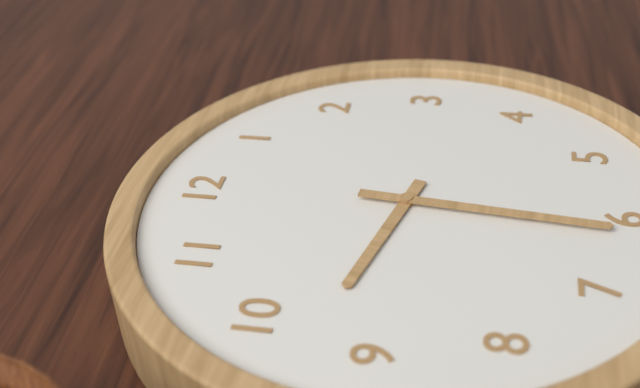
9:31
